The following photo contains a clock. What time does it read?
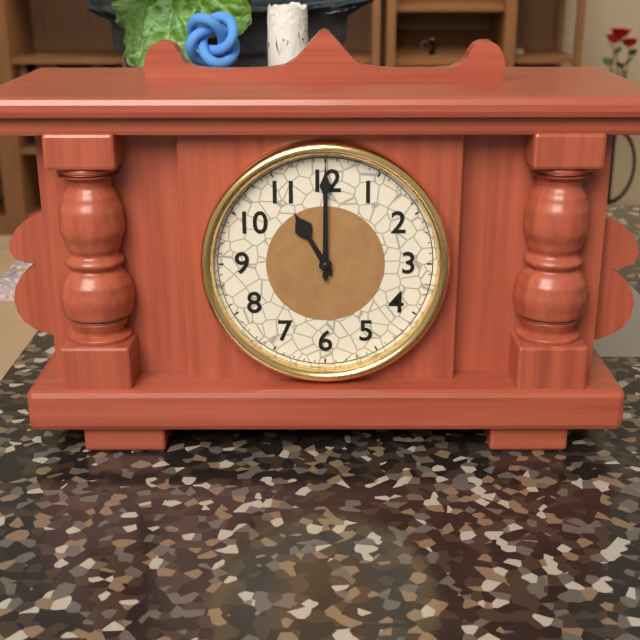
11:00
